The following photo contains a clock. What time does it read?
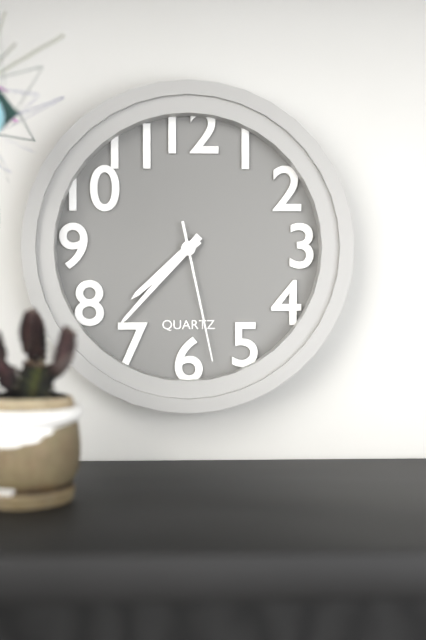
7:37:28
